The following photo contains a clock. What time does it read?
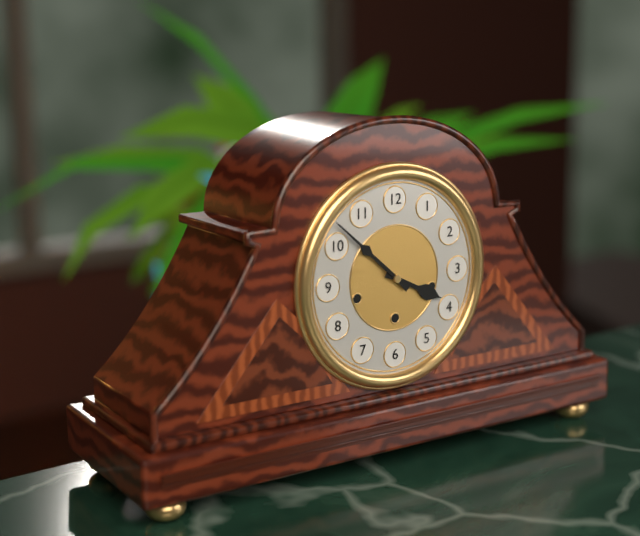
3:52
